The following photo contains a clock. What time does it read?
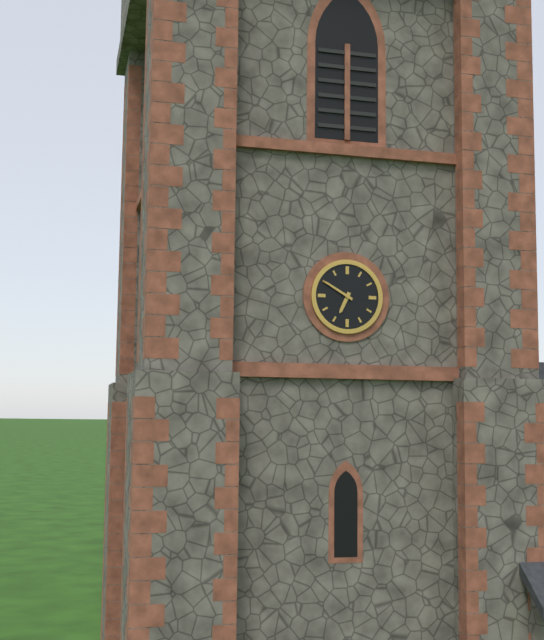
6:50
